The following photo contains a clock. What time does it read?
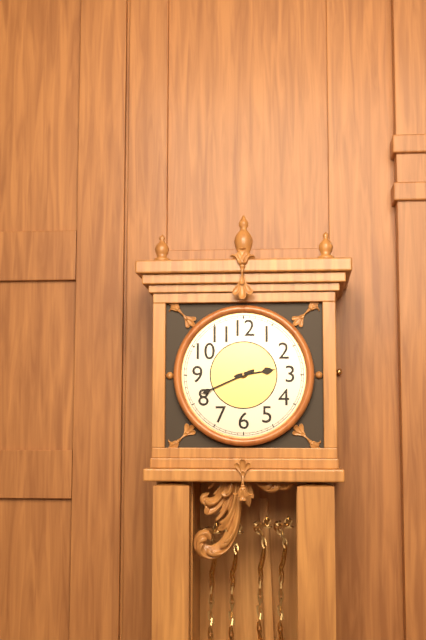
2:41
